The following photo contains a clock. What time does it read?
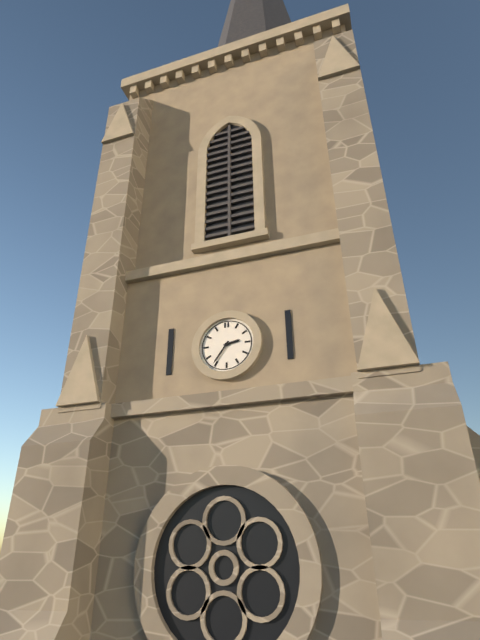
2:36
